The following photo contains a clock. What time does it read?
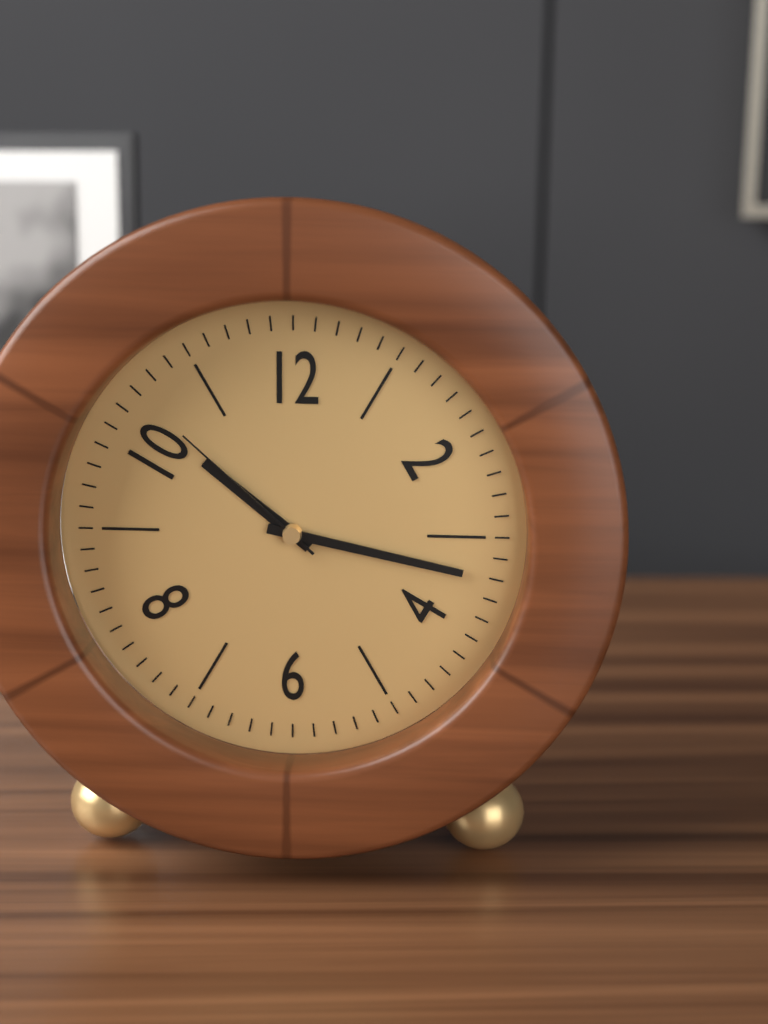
10:17:52
